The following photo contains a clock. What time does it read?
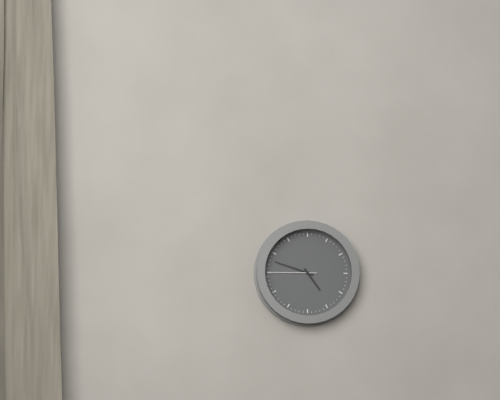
4:48
